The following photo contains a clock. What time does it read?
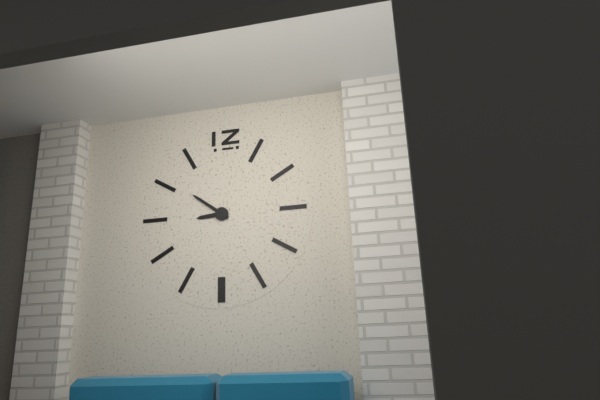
8:51
